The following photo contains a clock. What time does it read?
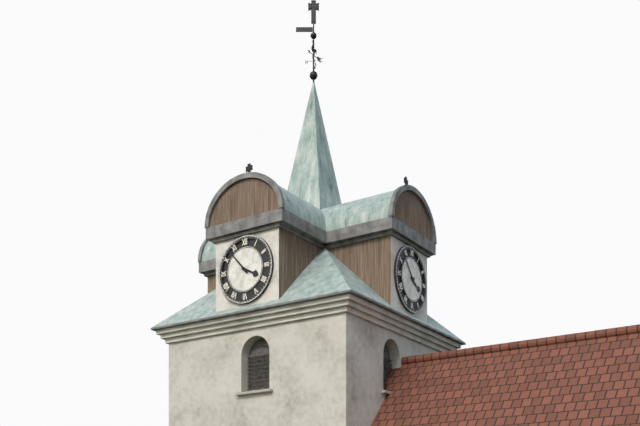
3:53
